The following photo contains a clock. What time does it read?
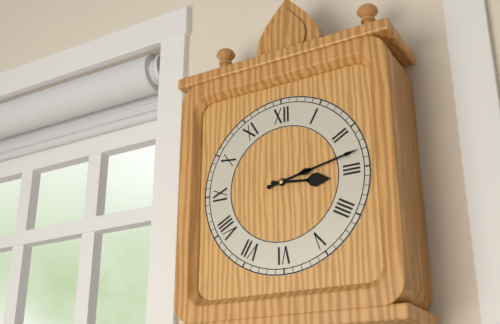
3:13
